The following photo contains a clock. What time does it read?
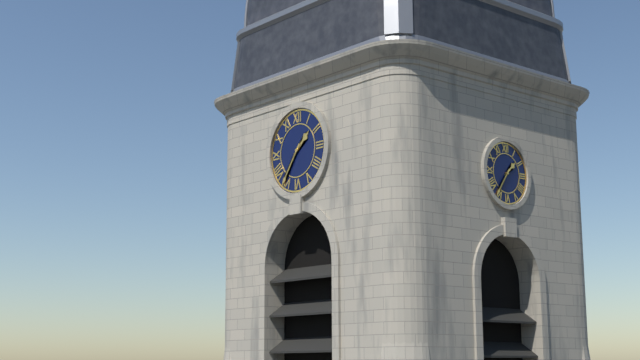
1:36
